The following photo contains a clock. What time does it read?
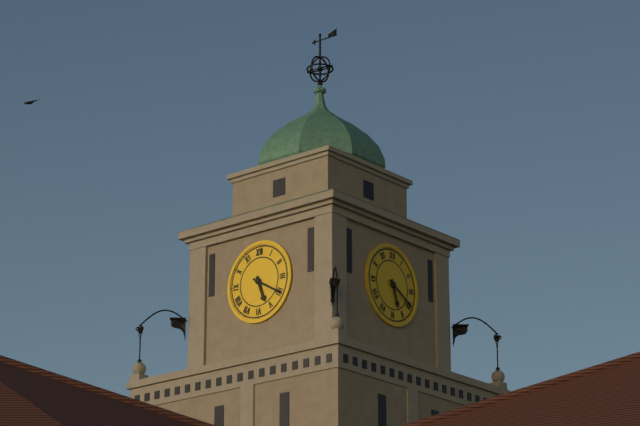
5:20
